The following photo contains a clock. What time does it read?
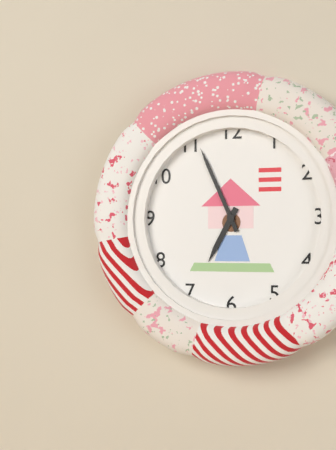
6:56
